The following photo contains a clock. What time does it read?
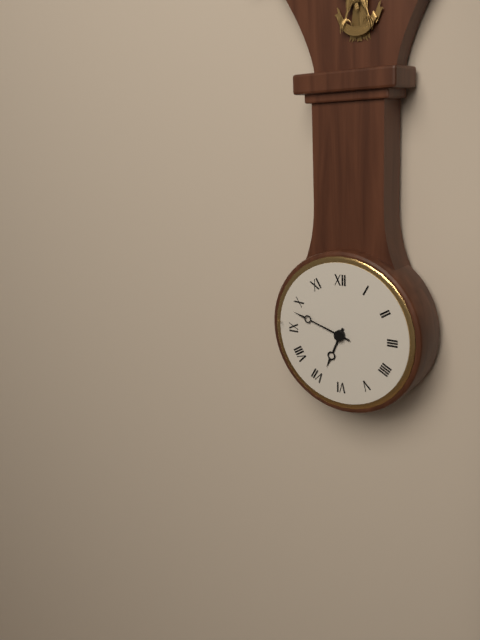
6:48
